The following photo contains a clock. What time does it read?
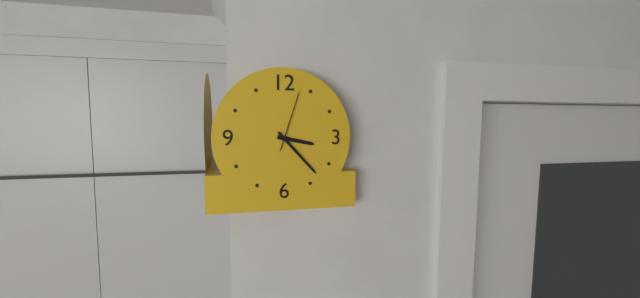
3:23:03
